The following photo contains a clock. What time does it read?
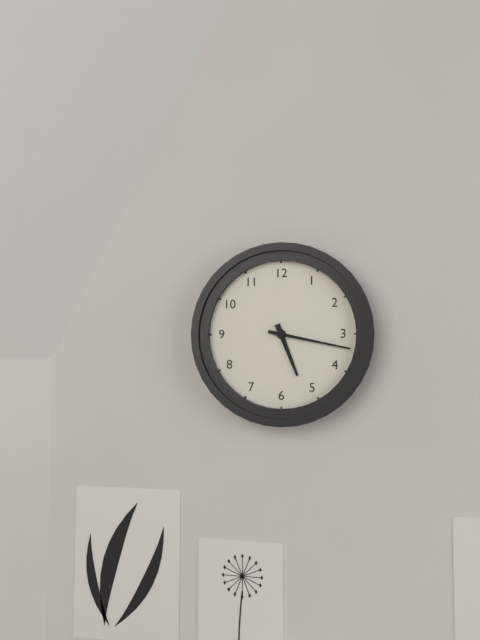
5:17
